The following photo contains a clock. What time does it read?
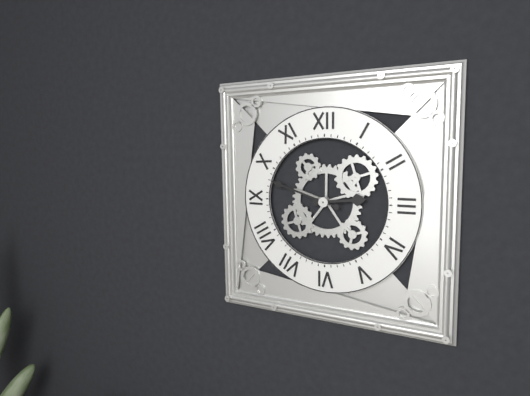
2:48
